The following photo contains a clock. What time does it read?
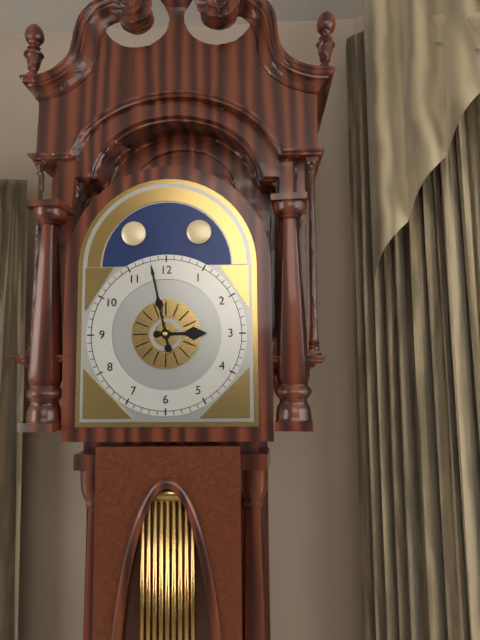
2:58
